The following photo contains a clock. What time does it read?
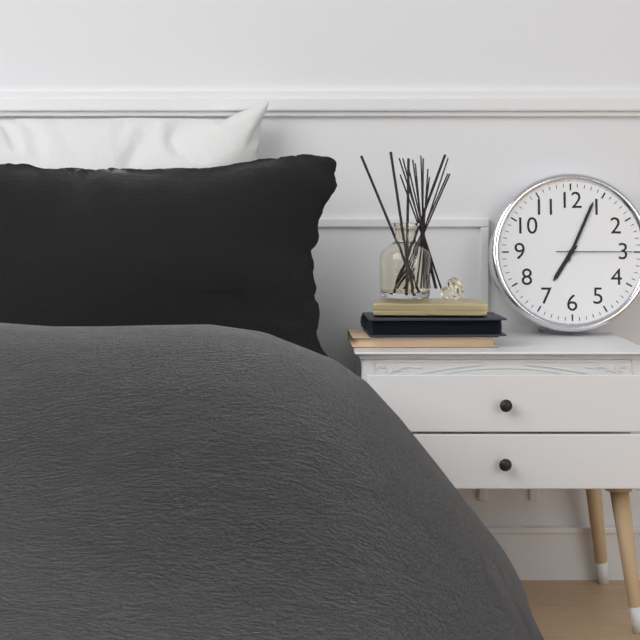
7:04:15
